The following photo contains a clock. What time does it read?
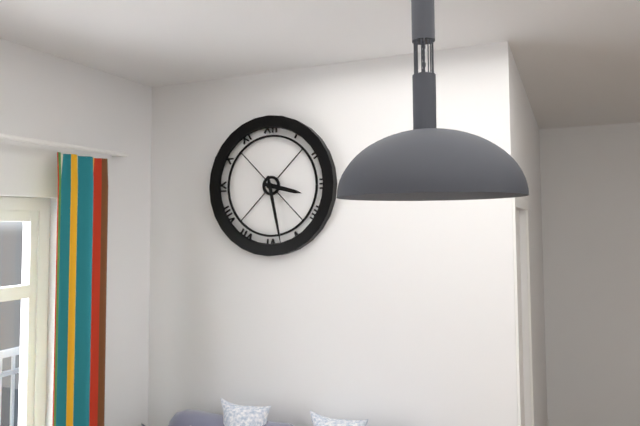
3:28
